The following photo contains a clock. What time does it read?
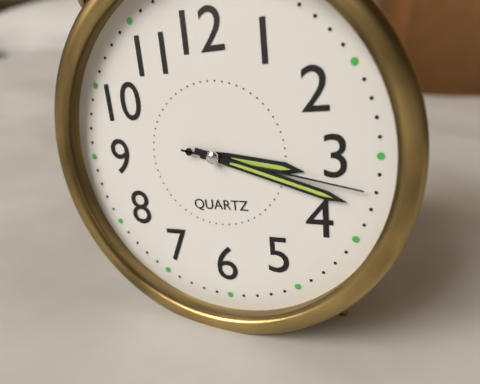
3:18:17
